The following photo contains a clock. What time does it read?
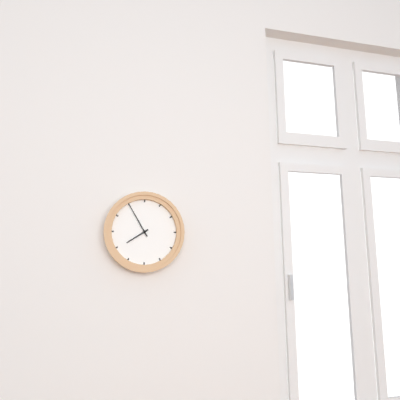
7:55
